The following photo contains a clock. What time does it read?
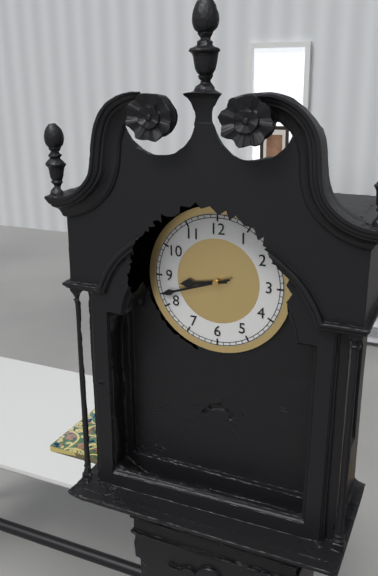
8:42
